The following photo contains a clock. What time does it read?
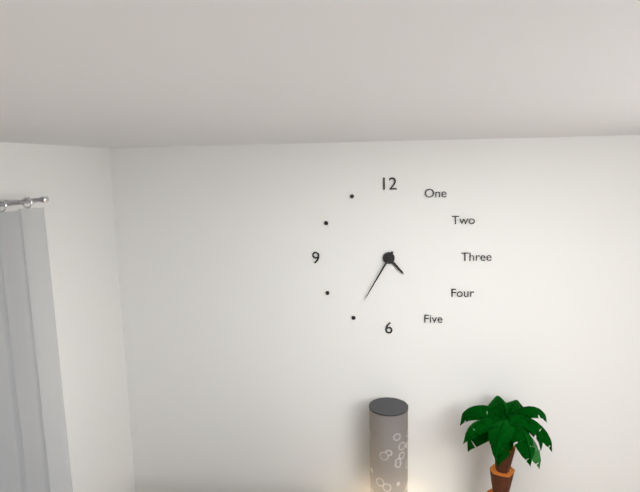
4:35
